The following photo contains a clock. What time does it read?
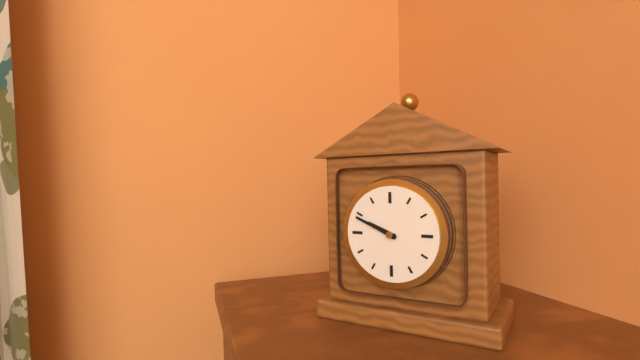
9:49
